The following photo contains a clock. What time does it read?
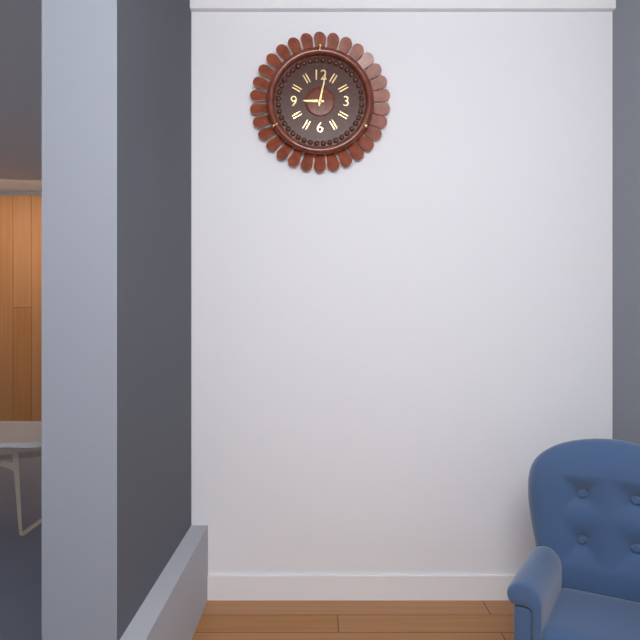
9:02
